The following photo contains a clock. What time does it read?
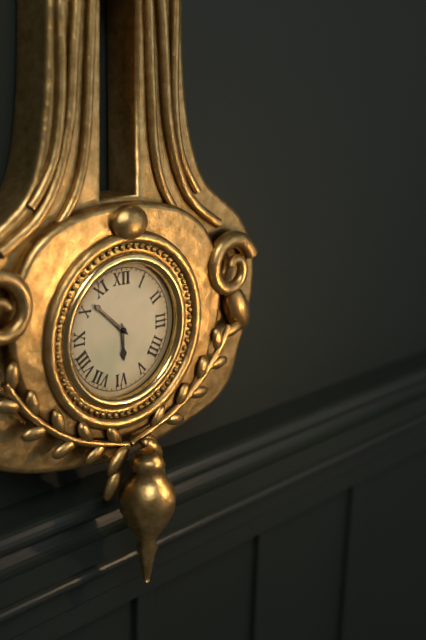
5:52
